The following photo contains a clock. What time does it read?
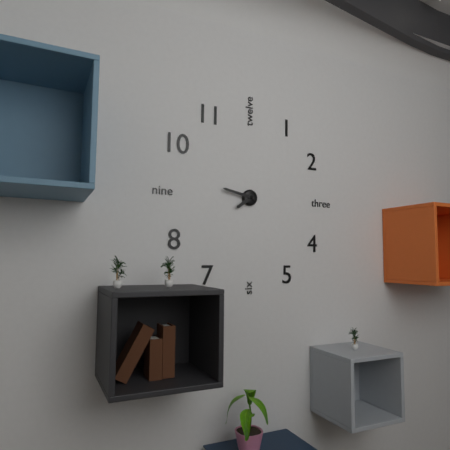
7:47
